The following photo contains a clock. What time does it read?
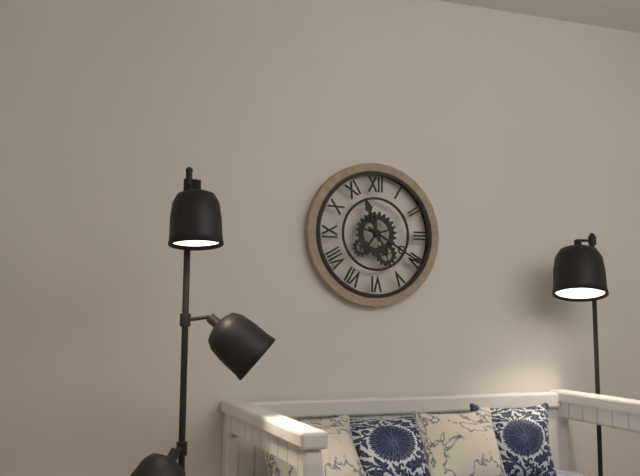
11:20
